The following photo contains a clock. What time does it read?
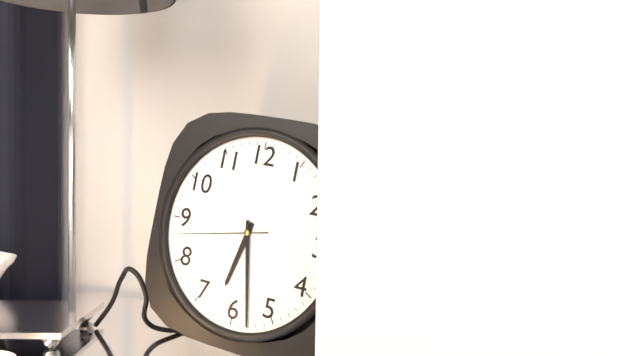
6:28:43
